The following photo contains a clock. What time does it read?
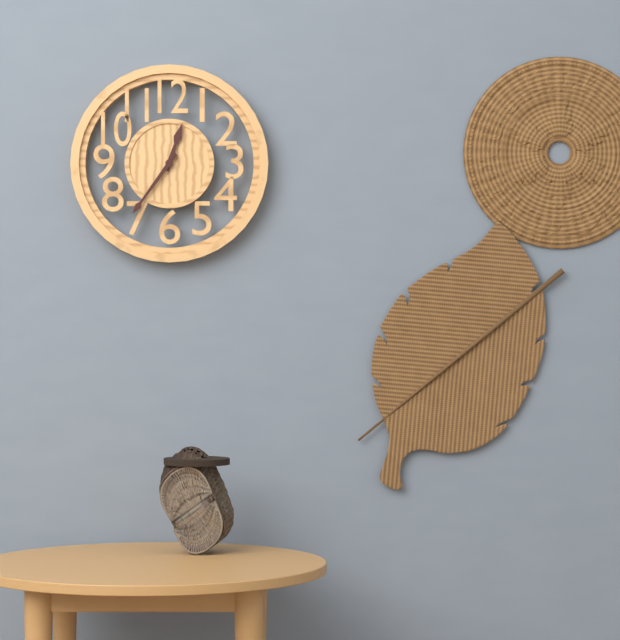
12:36
